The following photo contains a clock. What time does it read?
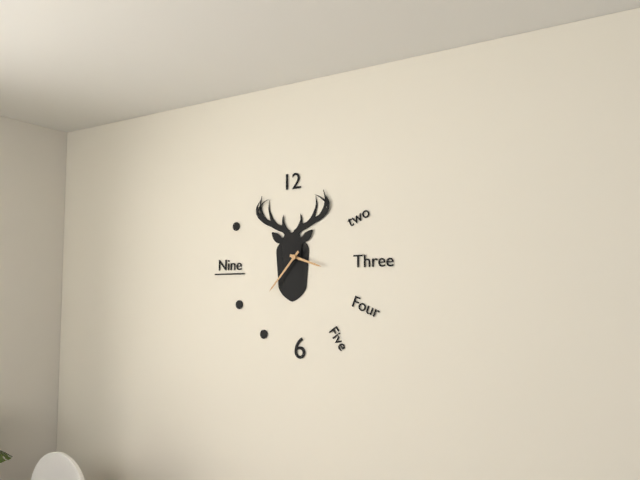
3:37
